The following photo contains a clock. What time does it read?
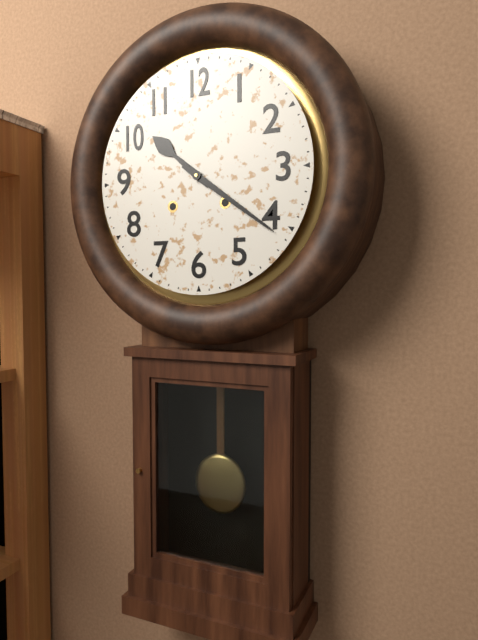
10:21
